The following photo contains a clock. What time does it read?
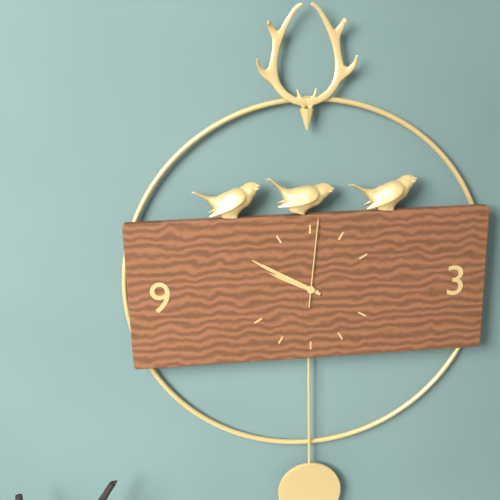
9:50:01
